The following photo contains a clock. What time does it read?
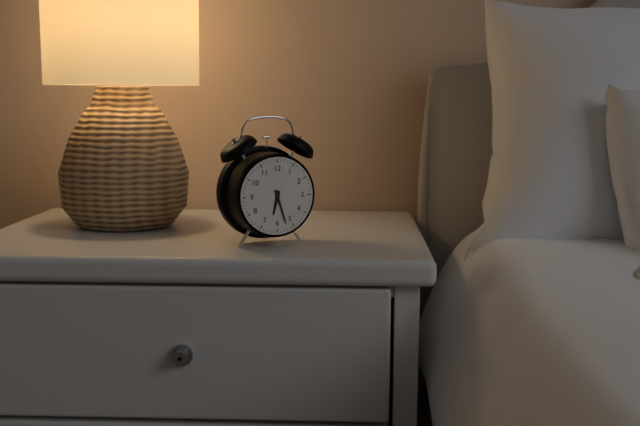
6:27
